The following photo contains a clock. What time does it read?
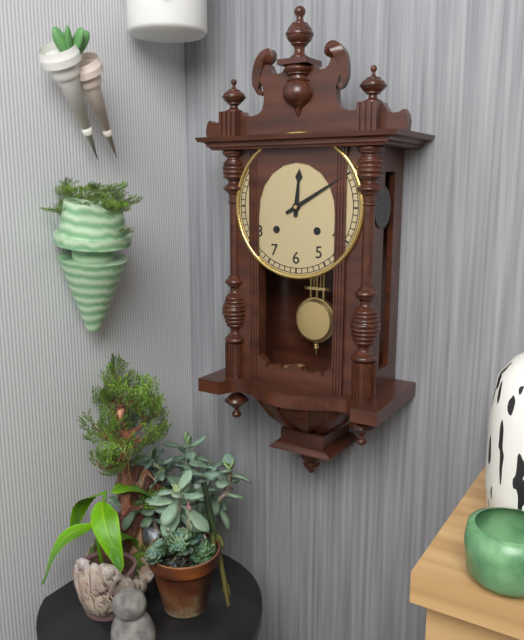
12:10
